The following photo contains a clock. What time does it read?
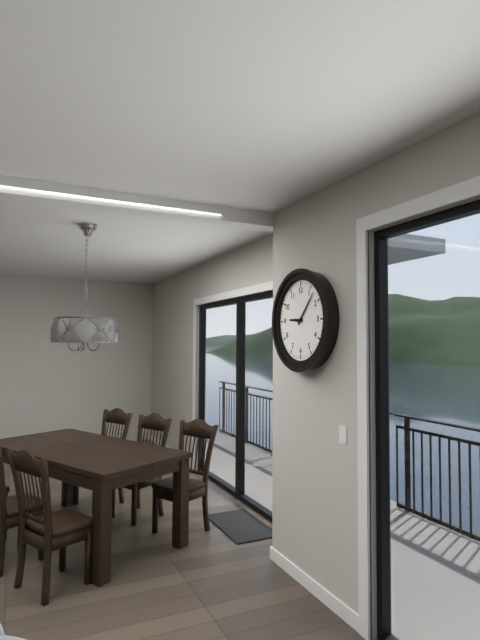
9:07
